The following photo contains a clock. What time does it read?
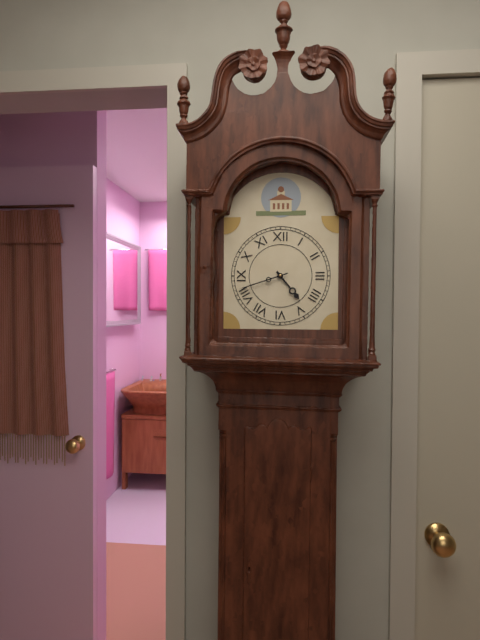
4:42
